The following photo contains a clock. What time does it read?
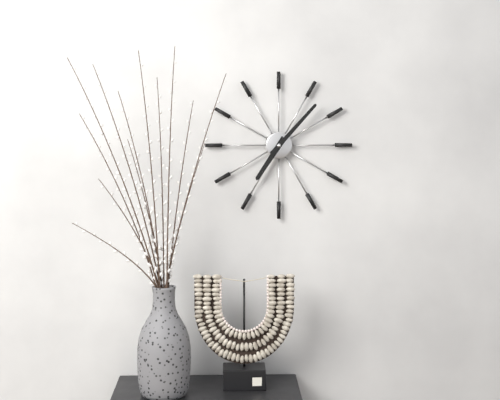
7:07
